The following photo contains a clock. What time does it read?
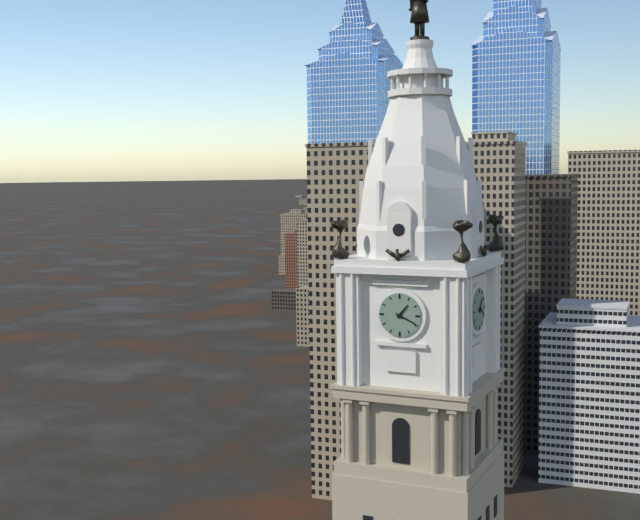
1:19
